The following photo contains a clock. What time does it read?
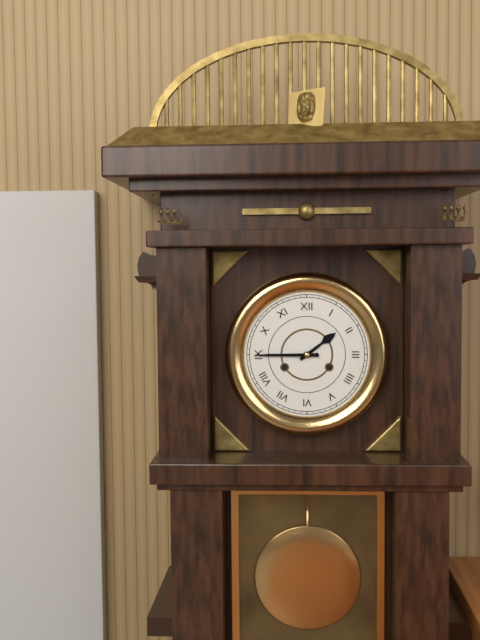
1:45
